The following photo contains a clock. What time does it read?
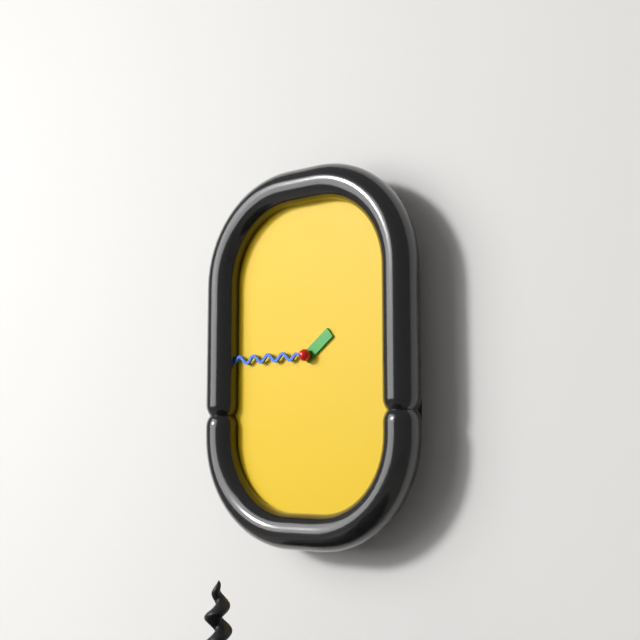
1:45
